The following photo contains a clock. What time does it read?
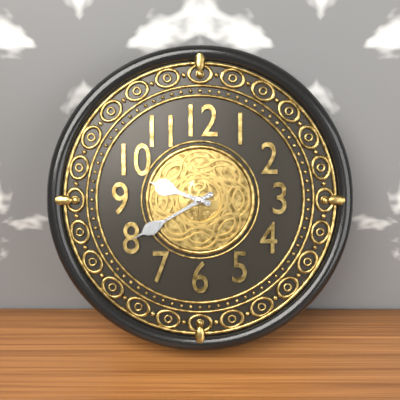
9:40
